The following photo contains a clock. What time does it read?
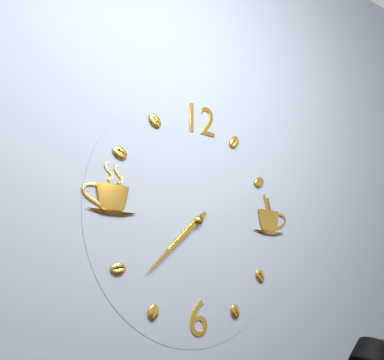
7:38
